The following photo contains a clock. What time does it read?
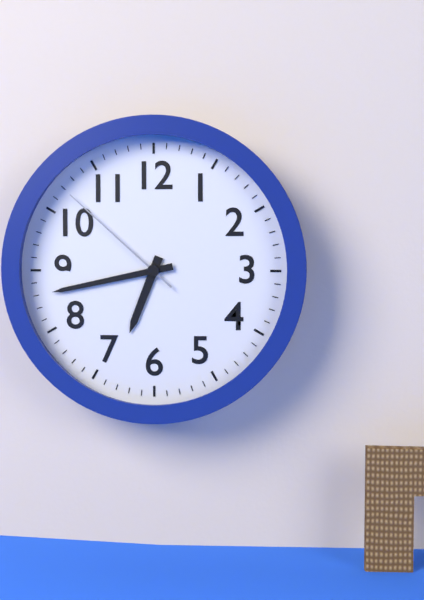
6:43:52
